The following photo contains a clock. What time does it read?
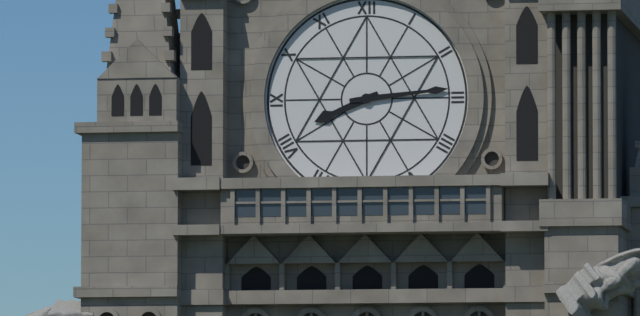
8:14
